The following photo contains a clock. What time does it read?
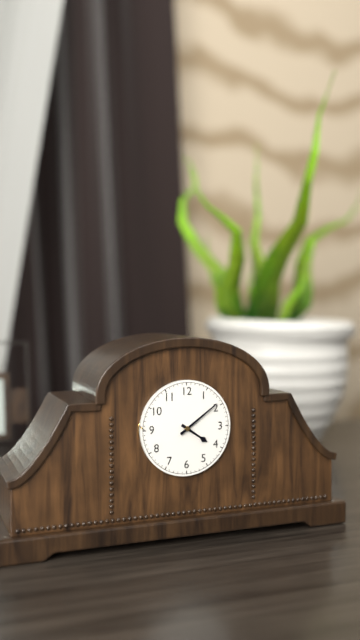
4:09
